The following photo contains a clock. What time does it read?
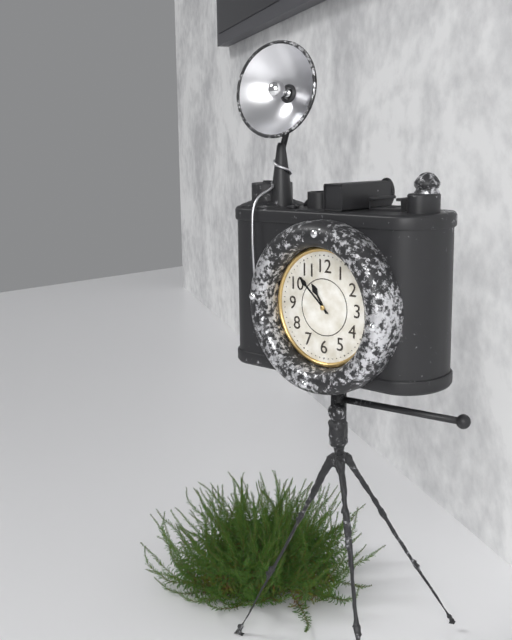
10:52
